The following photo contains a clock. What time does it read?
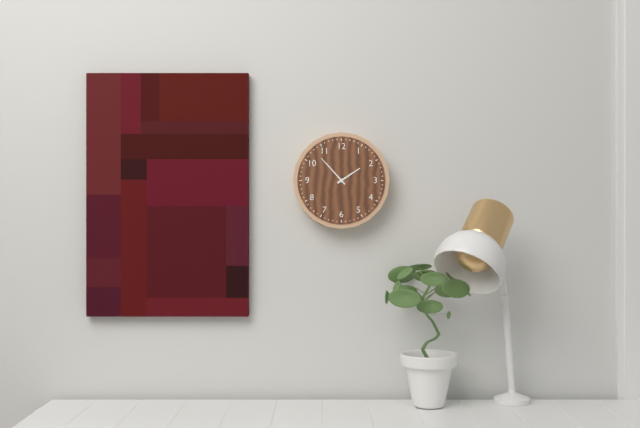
1:53
